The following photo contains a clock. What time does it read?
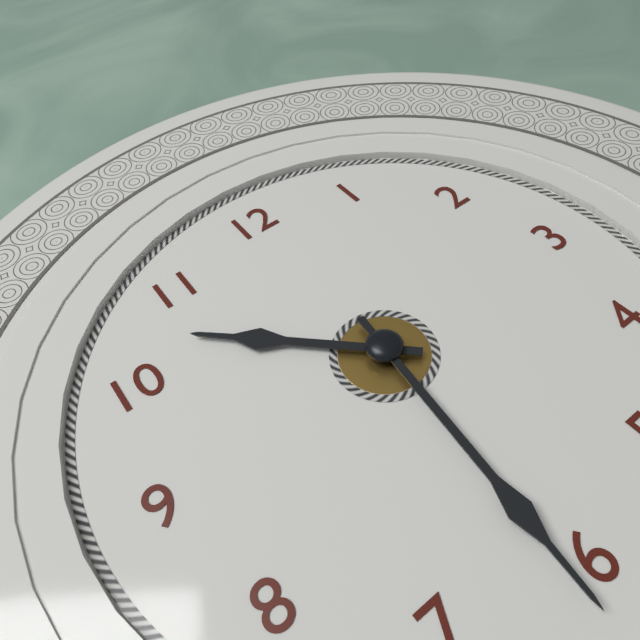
10:31
